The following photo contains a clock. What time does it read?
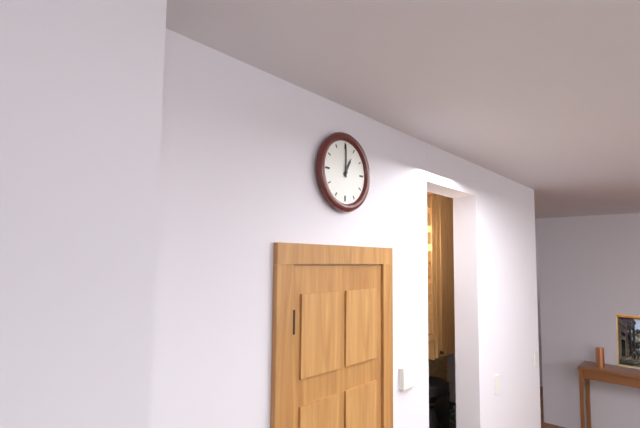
1:00
